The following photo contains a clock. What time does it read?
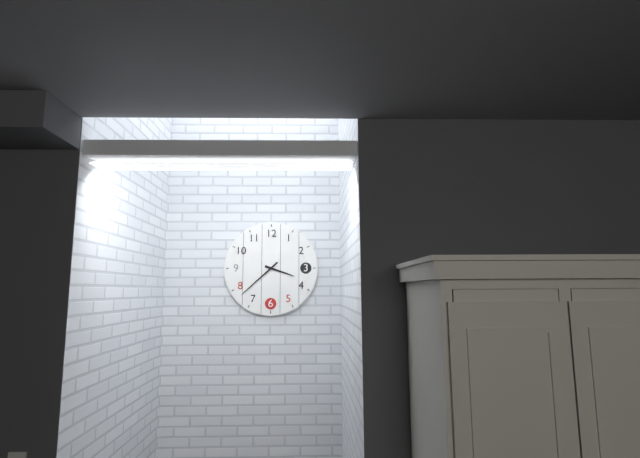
3:38
